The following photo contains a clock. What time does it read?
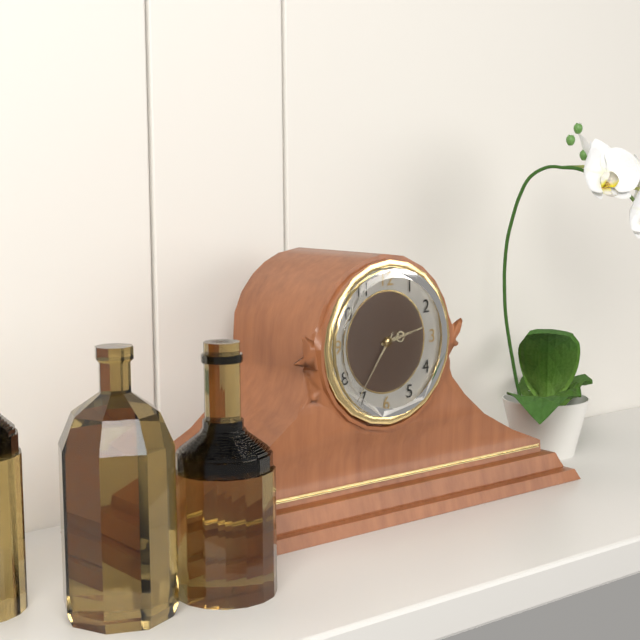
2:36
